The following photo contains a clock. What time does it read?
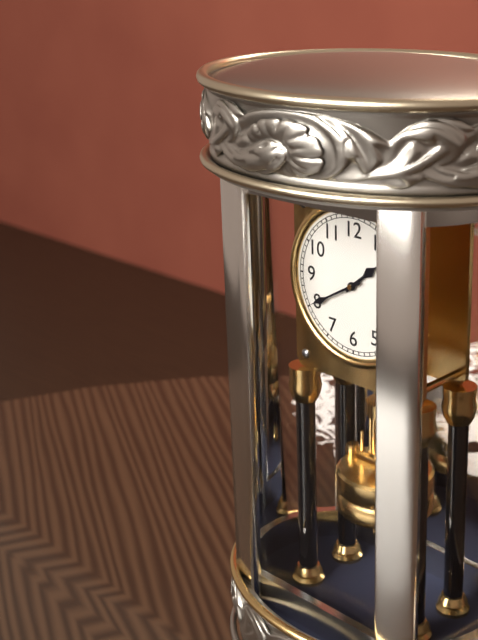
1:40
